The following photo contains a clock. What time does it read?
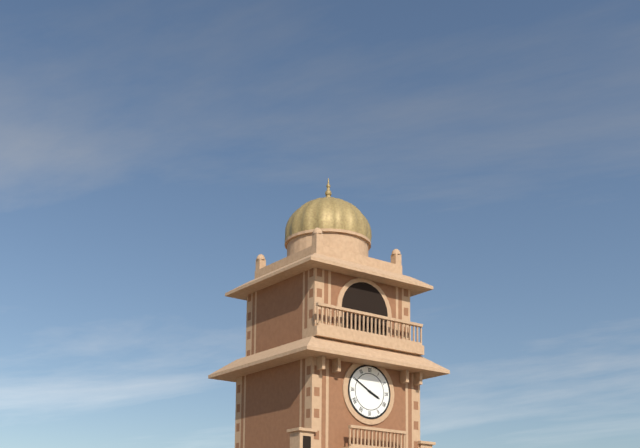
3:50
